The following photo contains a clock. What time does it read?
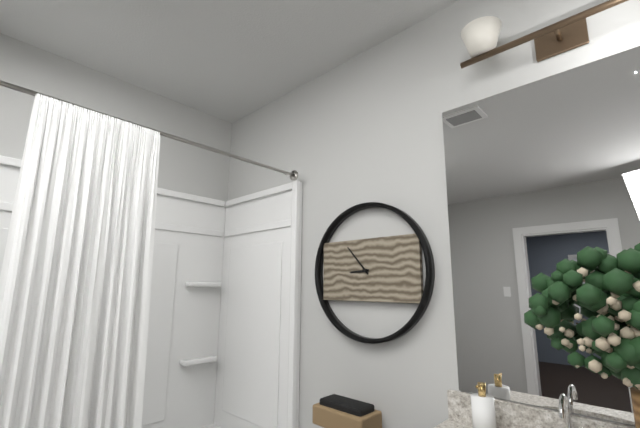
8:53
